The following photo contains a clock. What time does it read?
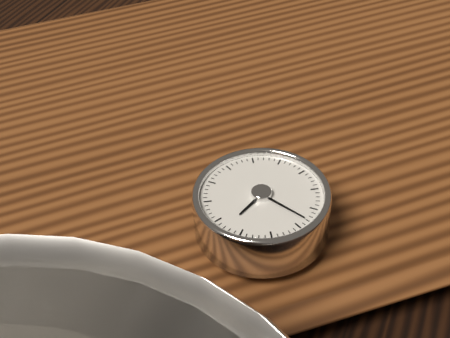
9:33
